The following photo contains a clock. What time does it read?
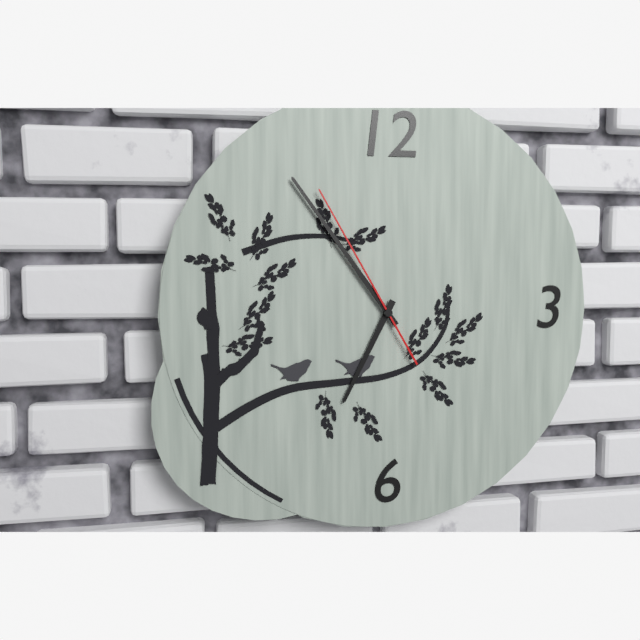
6:54:55
